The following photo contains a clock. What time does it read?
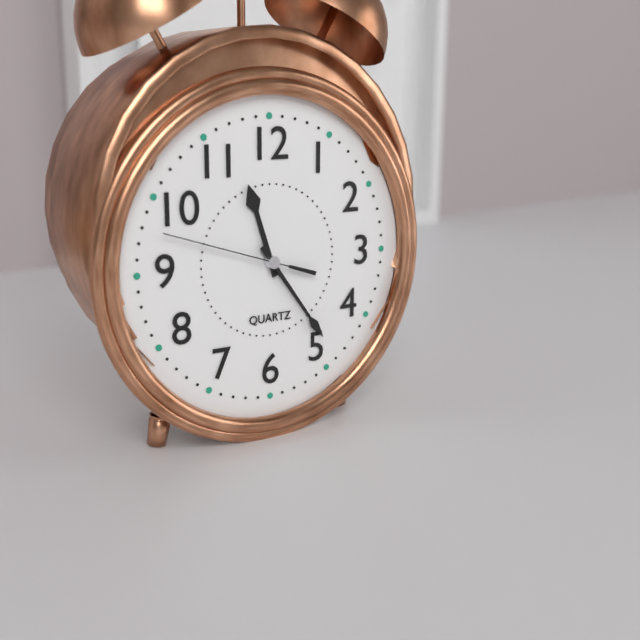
11:24:48
